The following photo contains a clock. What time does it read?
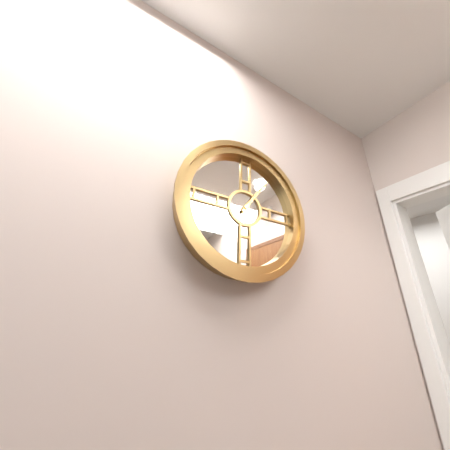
1:06
